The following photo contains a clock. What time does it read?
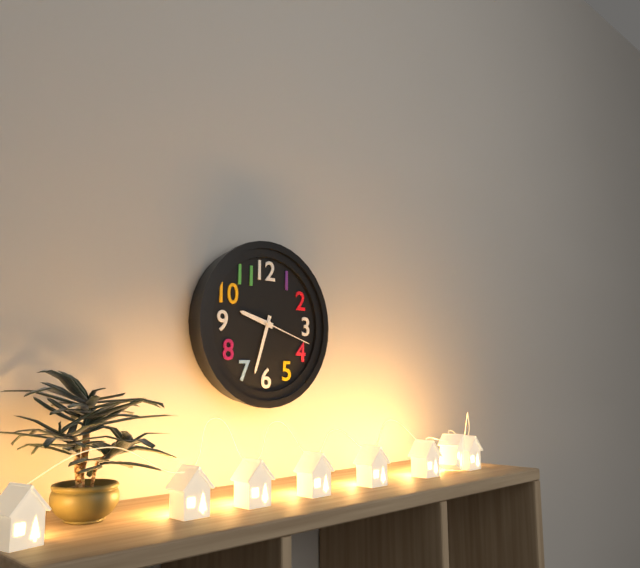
9:33:18
